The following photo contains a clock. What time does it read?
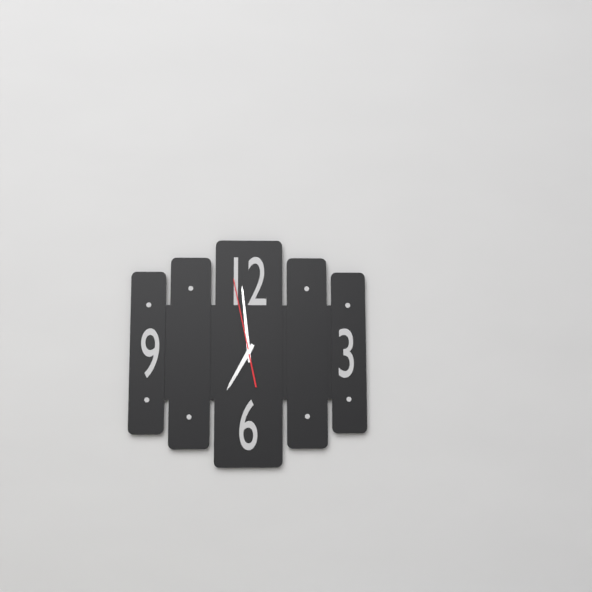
6:59:58
